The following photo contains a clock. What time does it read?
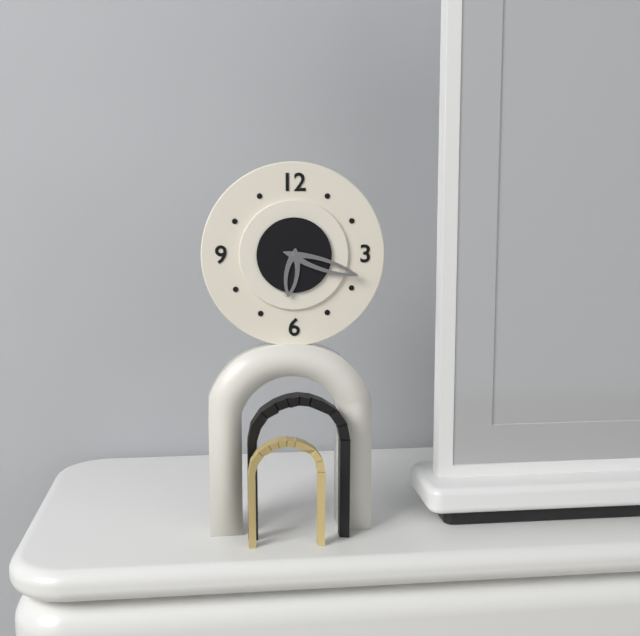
6:18
